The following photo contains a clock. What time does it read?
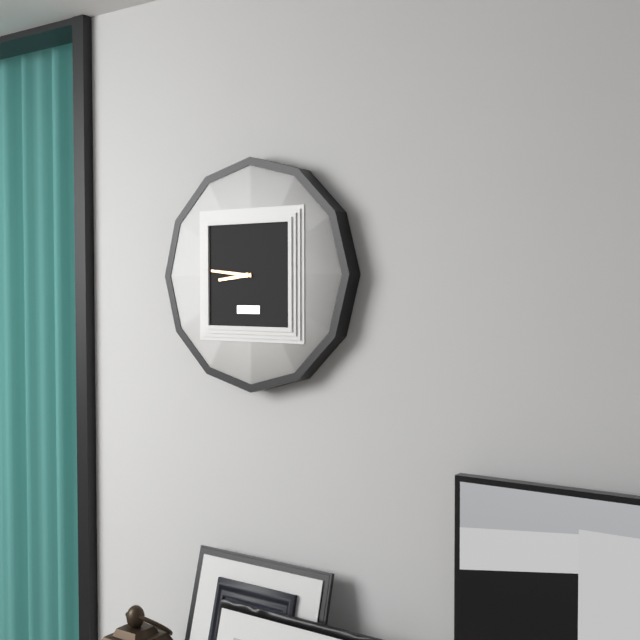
8:46
